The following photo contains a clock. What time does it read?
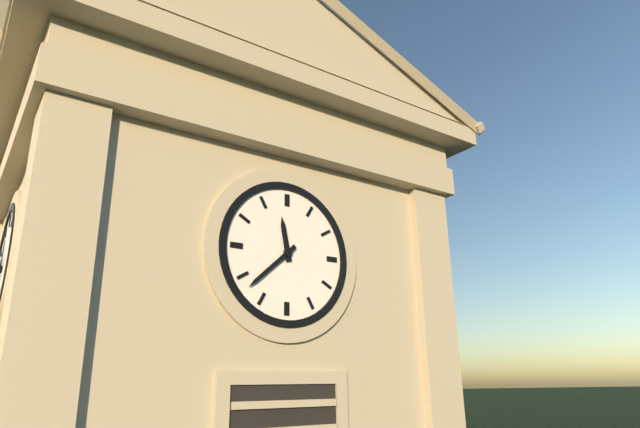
11:38
